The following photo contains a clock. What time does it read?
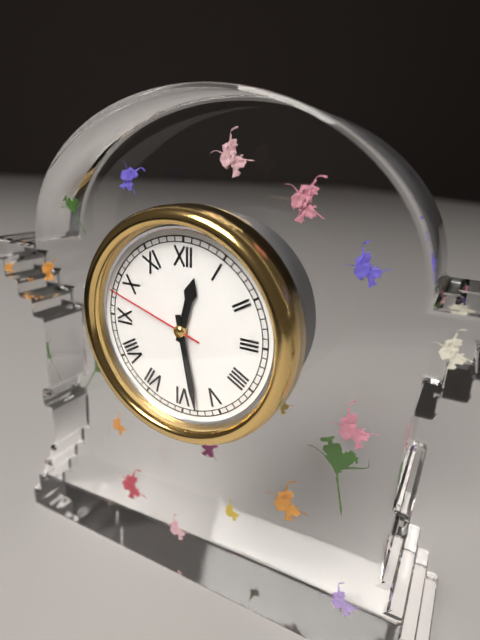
12:28:48
